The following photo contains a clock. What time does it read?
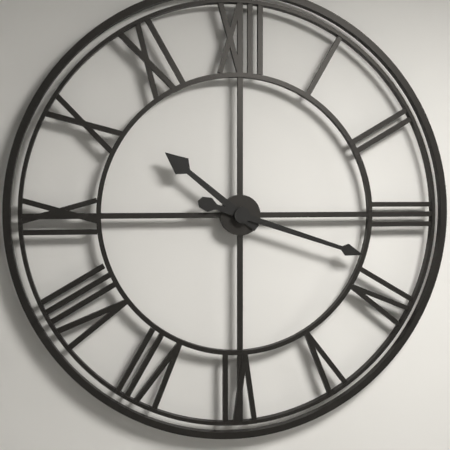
10:18
